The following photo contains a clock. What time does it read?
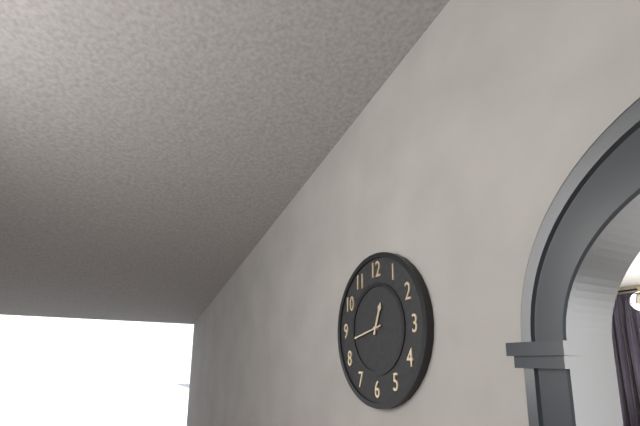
12:43
